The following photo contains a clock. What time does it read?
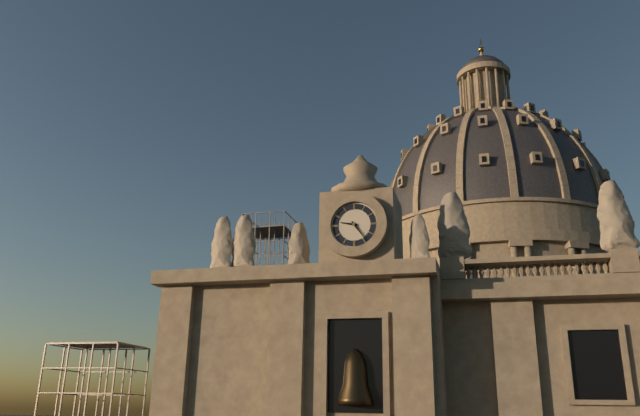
9:24
